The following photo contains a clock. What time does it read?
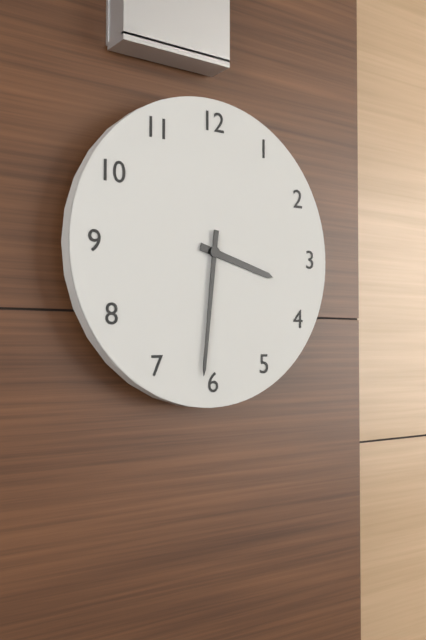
3:31
